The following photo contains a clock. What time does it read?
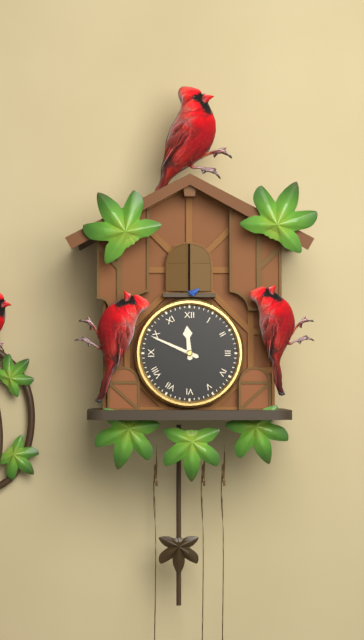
11:49
